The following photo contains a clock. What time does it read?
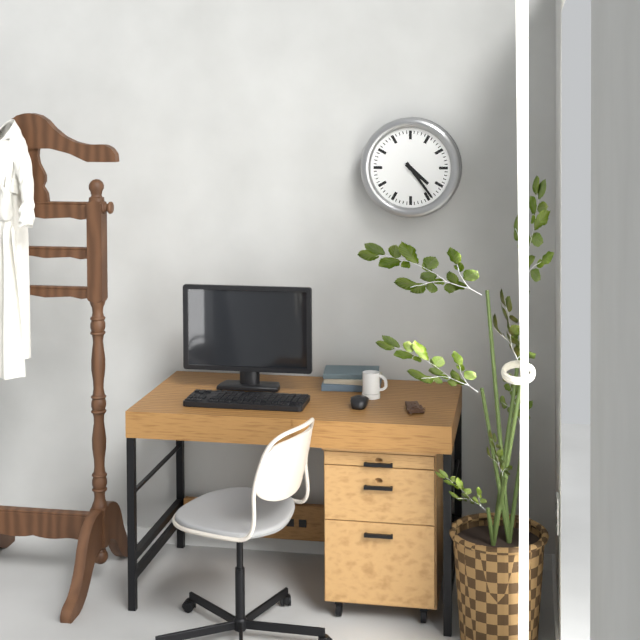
4:24
